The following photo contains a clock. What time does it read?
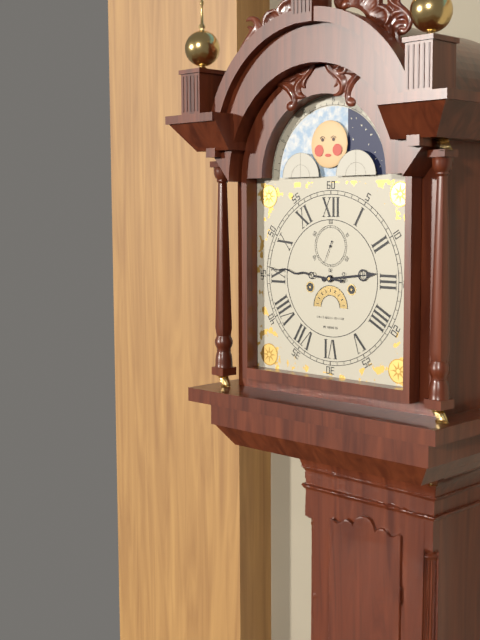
2:46
